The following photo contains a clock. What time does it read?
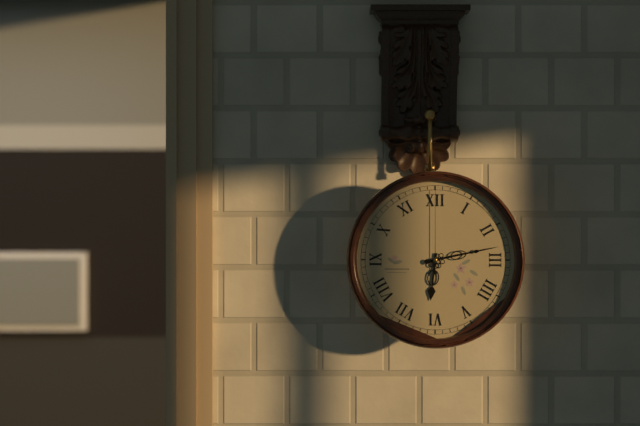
6:13:00
